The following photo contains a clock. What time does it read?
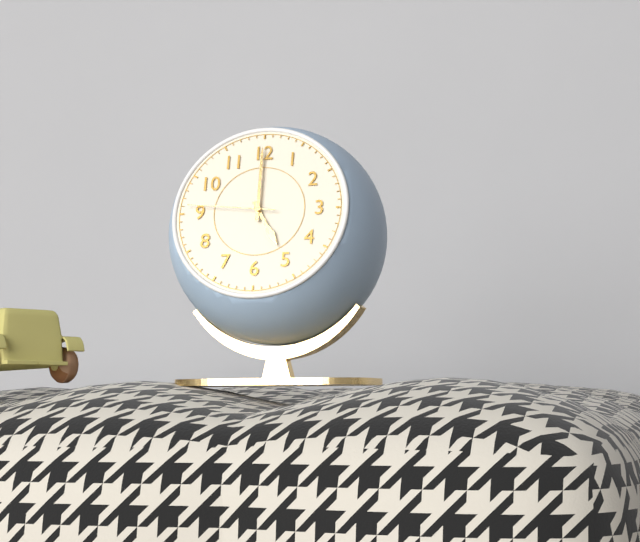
5:00:46
